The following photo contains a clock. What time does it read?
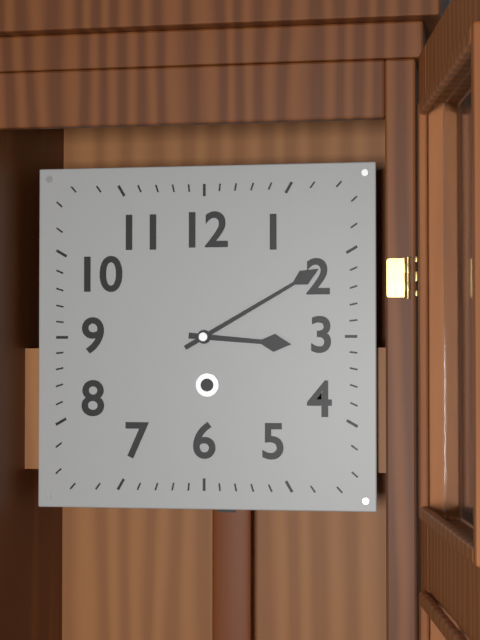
3:10
